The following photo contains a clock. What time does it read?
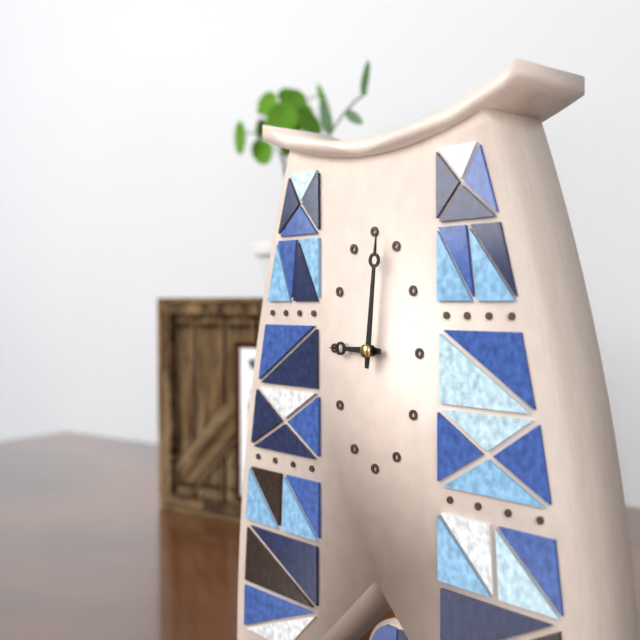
9:01
